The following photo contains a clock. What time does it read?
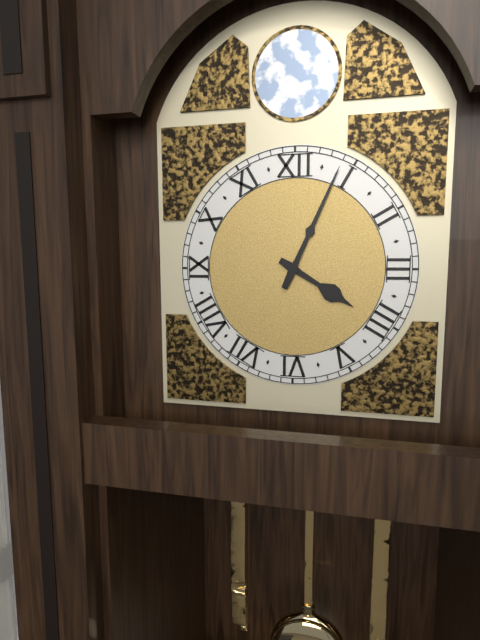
4:04
